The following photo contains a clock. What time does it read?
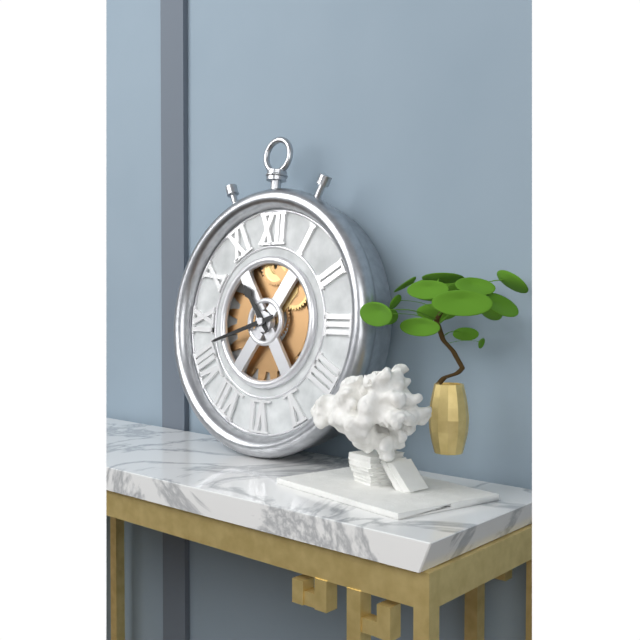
10:42
